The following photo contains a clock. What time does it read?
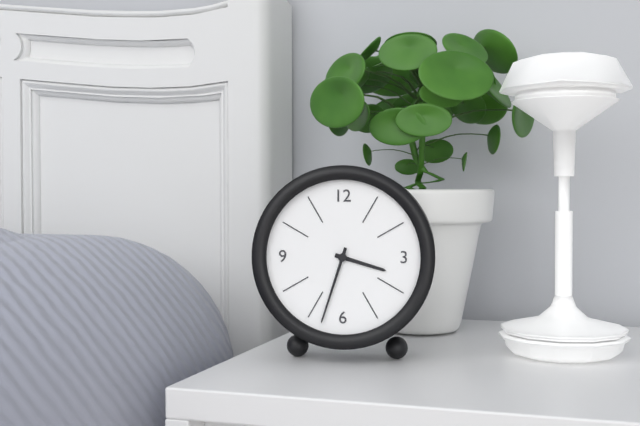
3:33
